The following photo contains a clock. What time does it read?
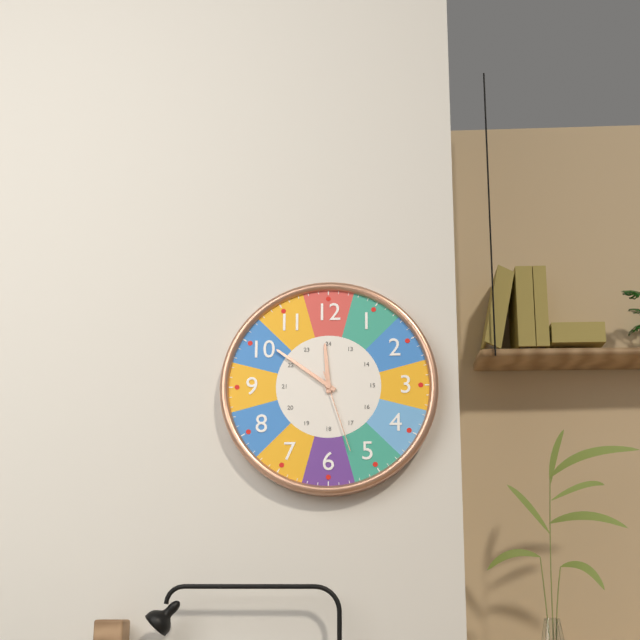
11:51:27
